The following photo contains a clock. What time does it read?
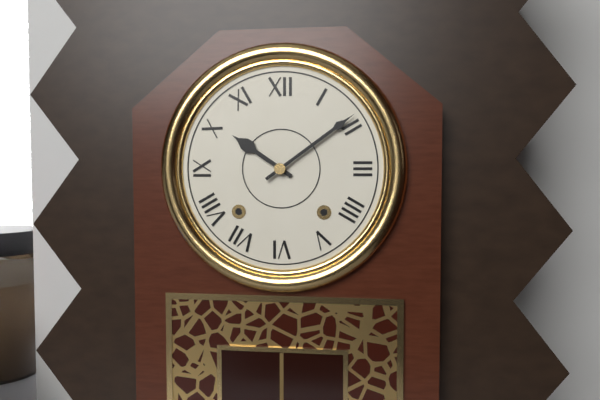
10:09
